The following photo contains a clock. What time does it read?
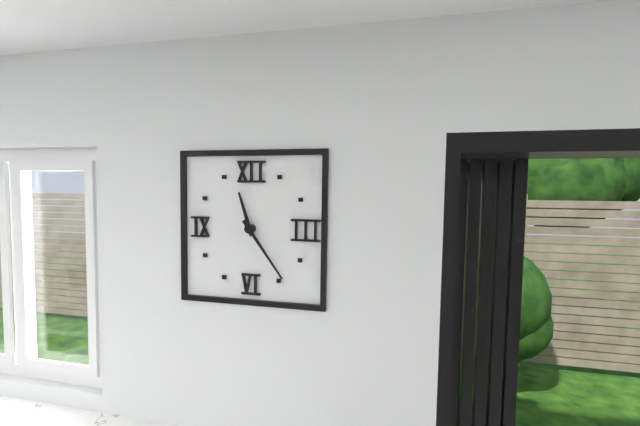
11:24
